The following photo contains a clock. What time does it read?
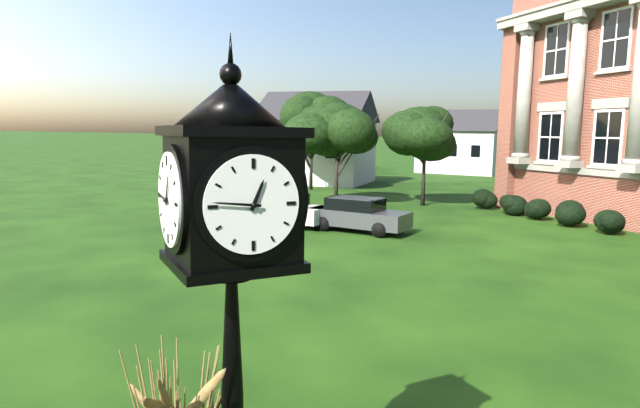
12:46
